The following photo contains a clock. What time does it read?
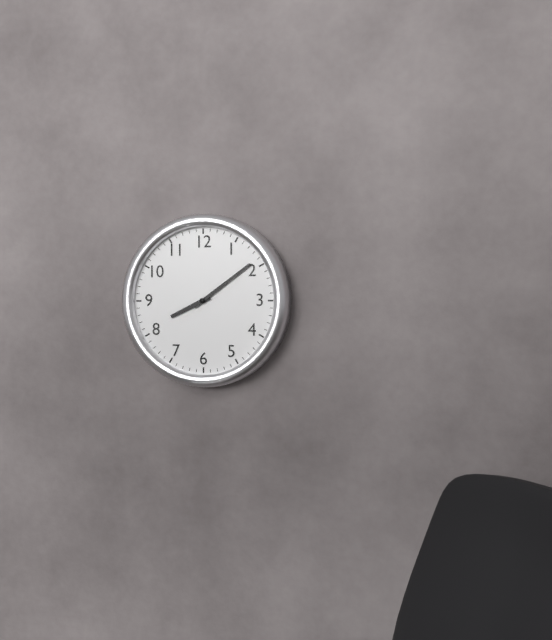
8:09
